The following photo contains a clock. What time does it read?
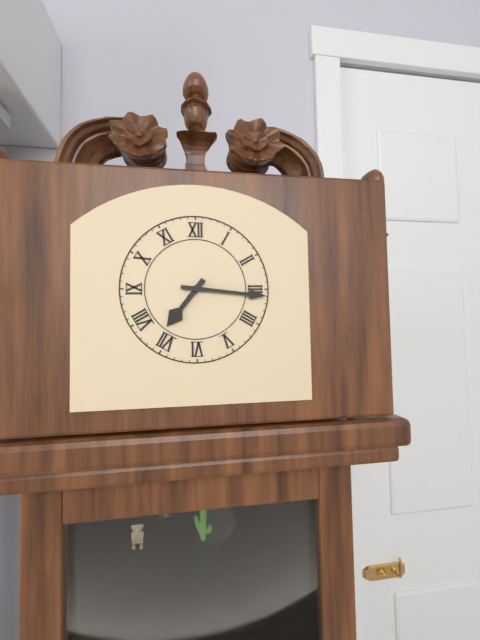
7:16
